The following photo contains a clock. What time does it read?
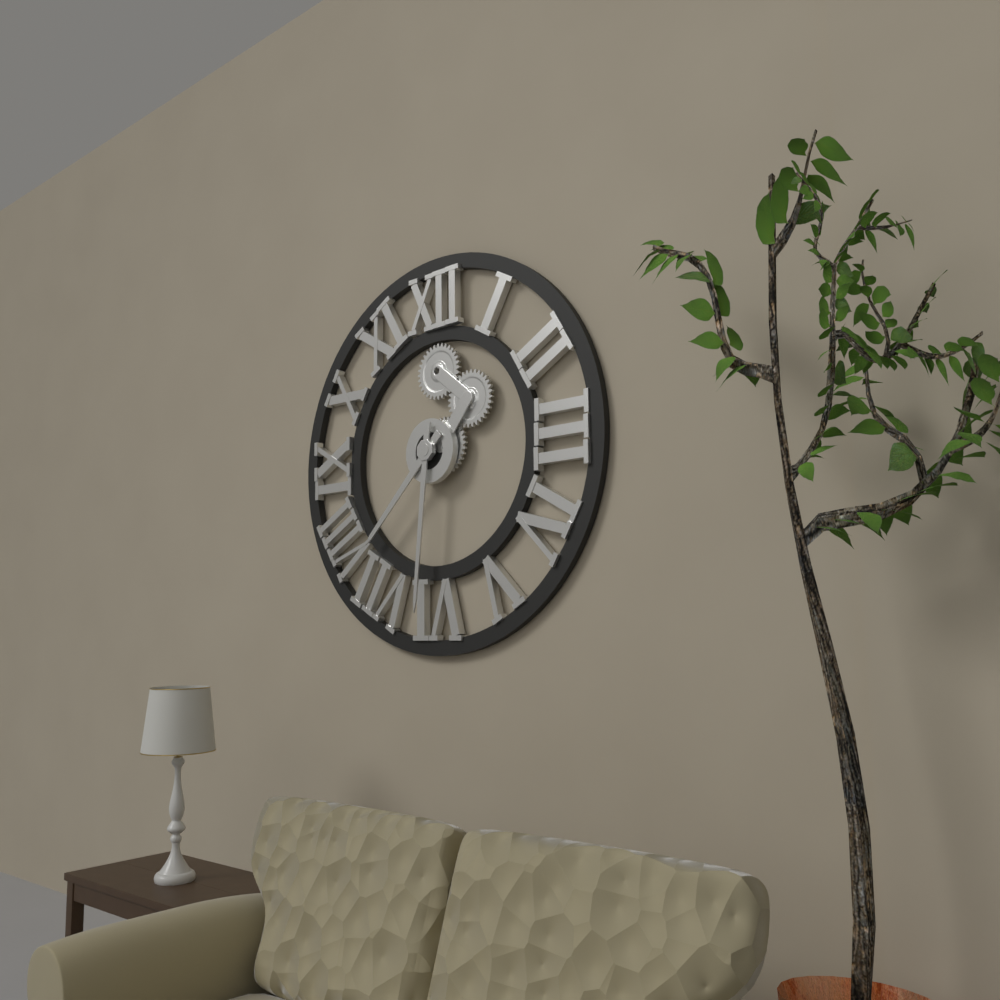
7:31
